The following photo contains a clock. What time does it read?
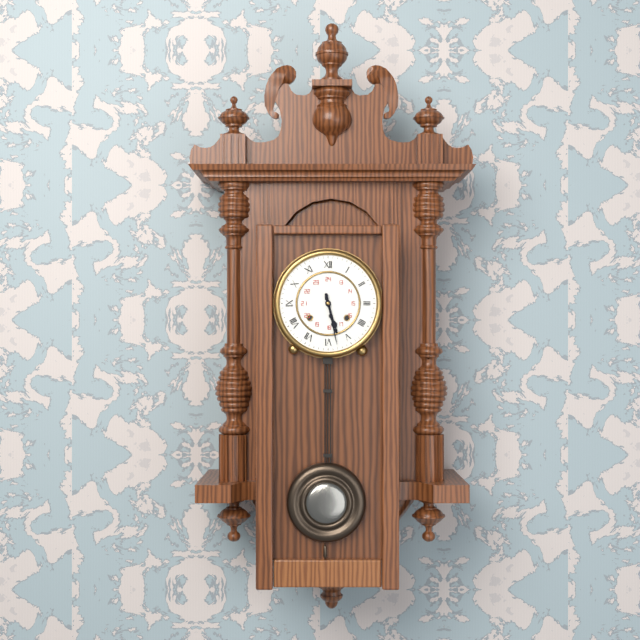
5:28
